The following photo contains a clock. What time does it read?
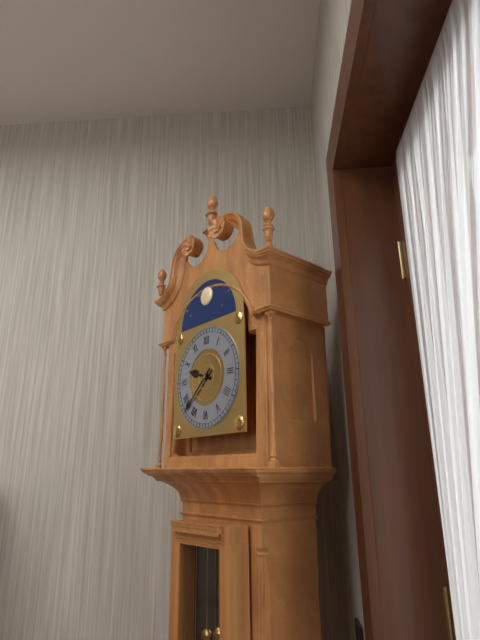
9:38
